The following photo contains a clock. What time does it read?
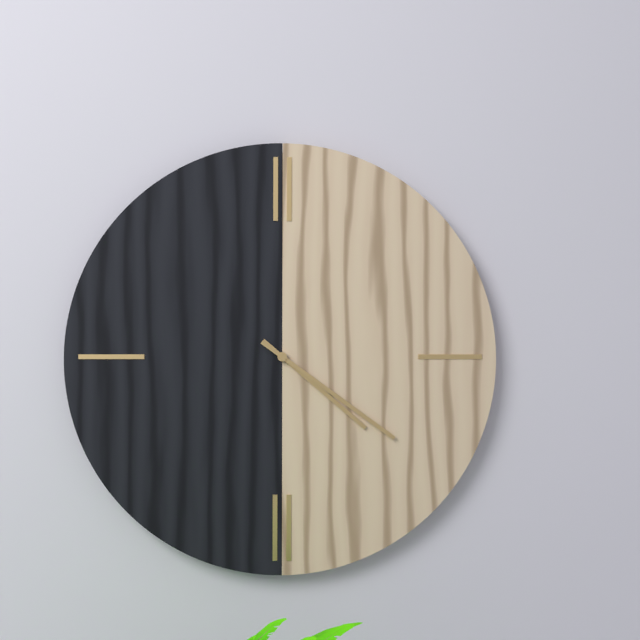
4:21
